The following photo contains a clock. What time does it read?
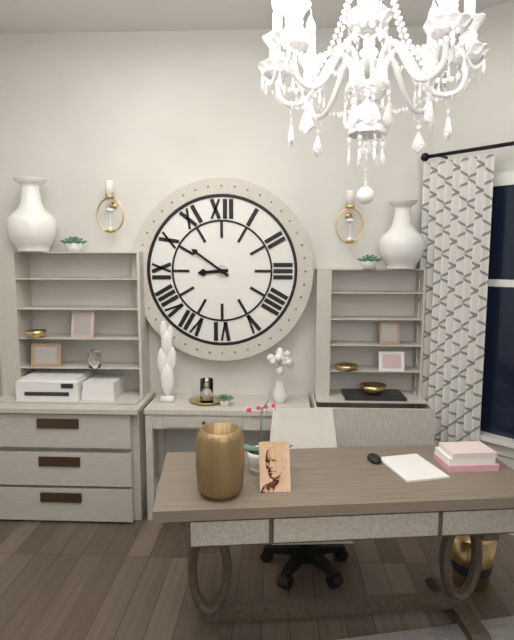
8:51
